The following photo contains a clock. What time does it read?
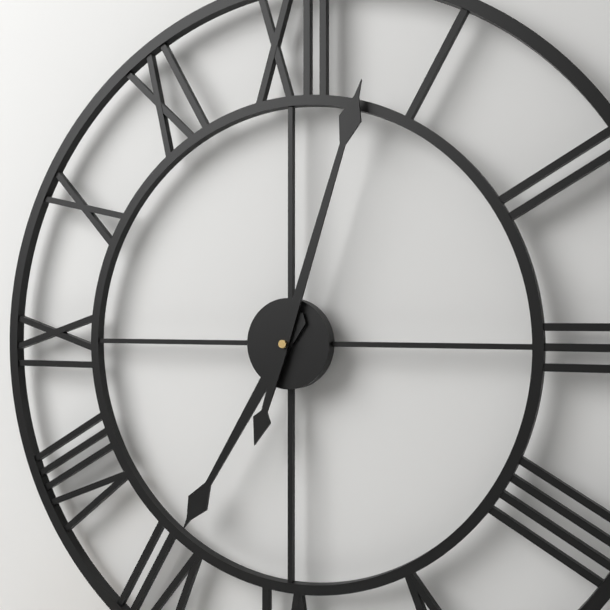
7:03
